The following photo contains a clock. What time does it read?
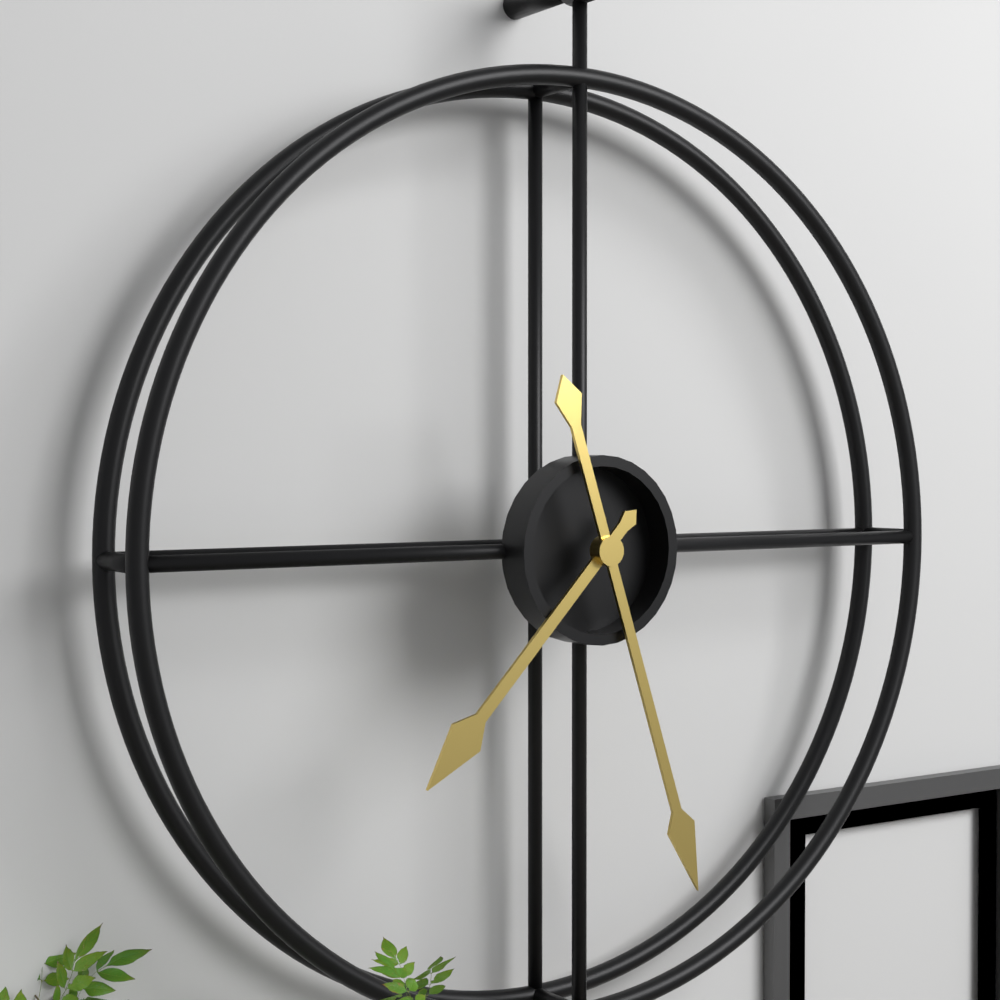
7:27
